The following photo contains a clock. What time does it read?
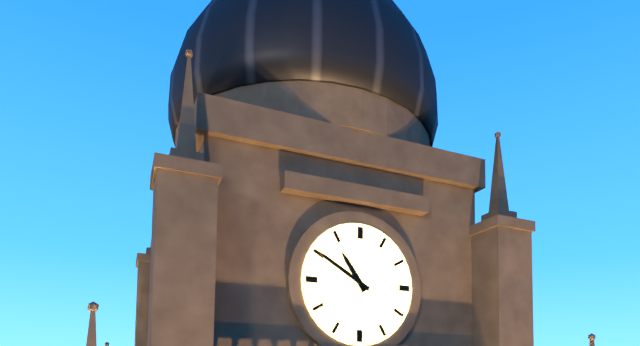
10:50
